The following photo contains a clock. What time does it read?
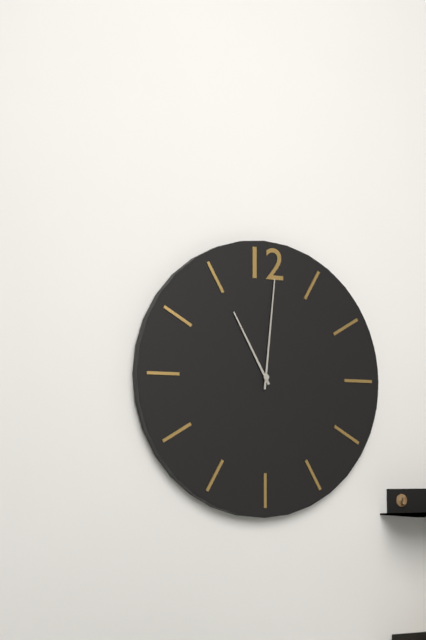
11:01
